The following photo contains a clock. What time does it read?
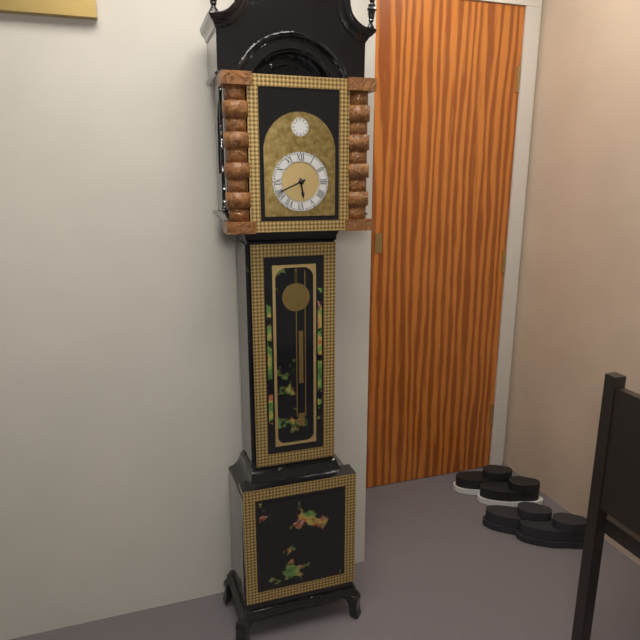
5:41
